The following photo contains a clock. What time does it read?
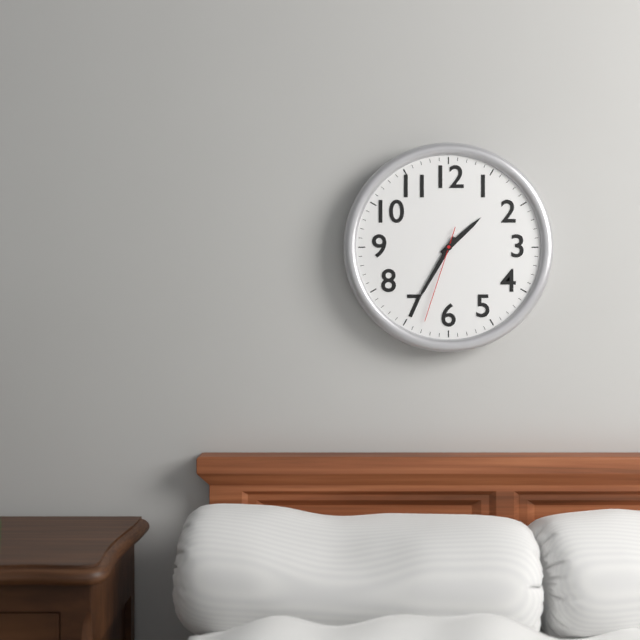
1:35:33
